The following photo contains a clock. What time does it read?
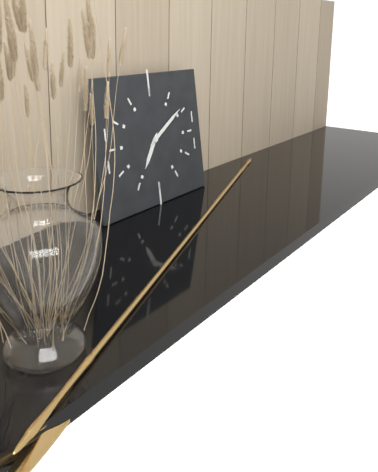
7:10
